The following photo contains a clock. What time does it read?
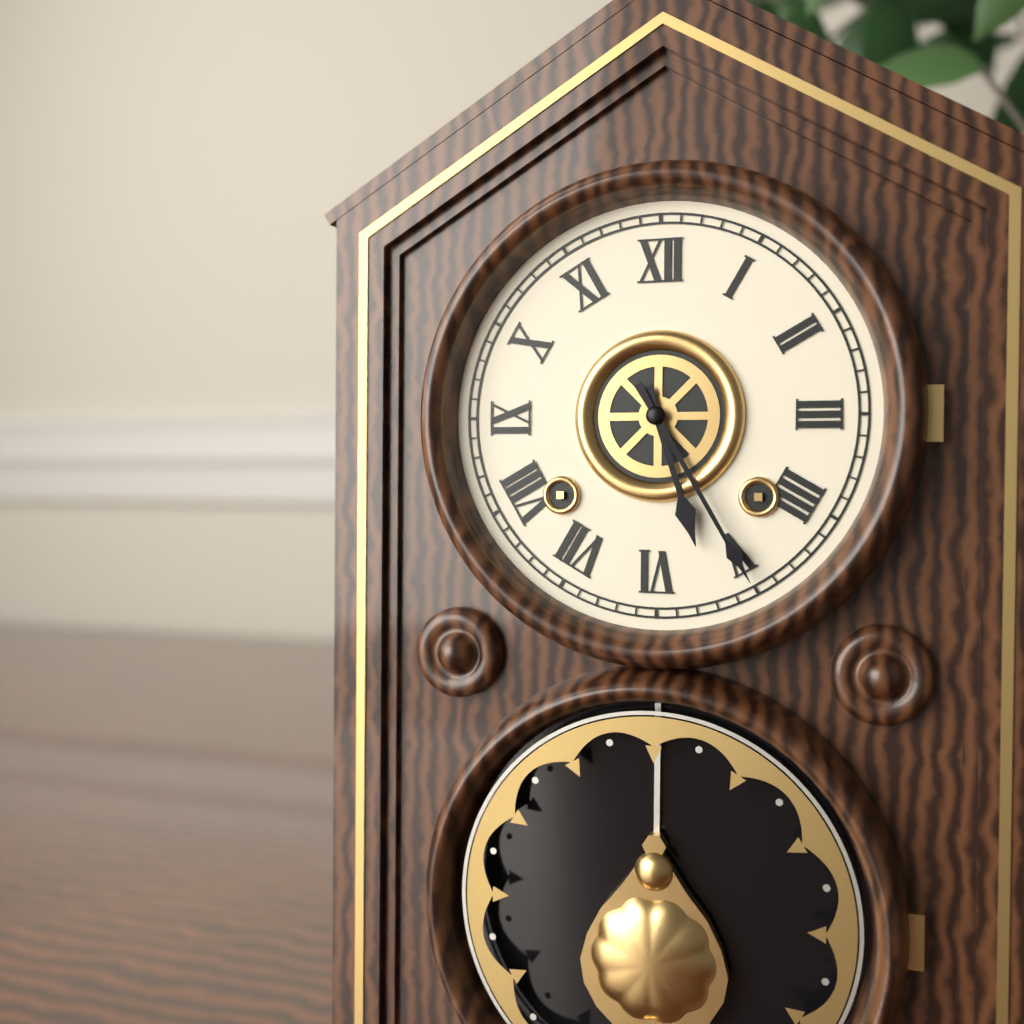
5:25
